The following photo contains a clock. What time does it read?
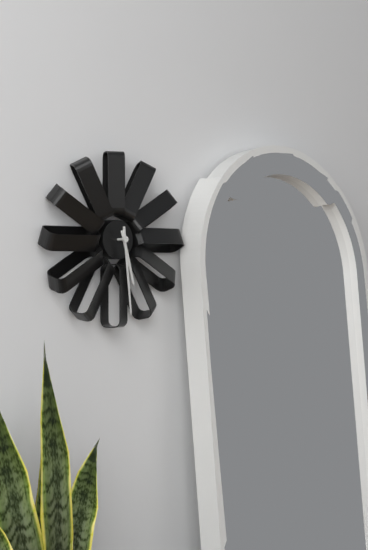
5:29
